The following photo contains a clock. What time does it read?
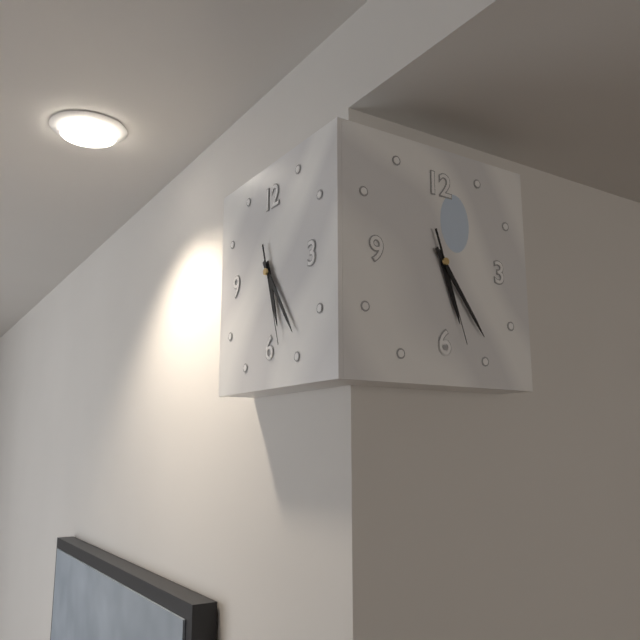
5:24:27
